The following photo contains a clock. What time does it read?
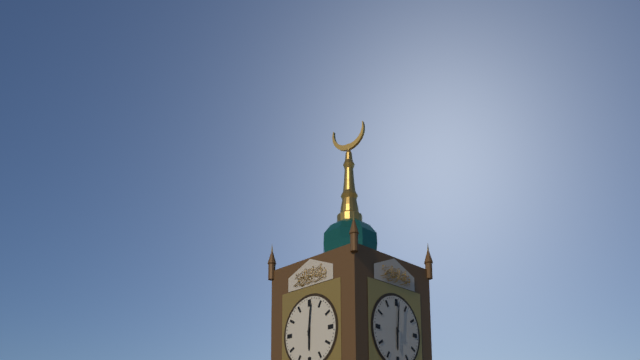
6:01
